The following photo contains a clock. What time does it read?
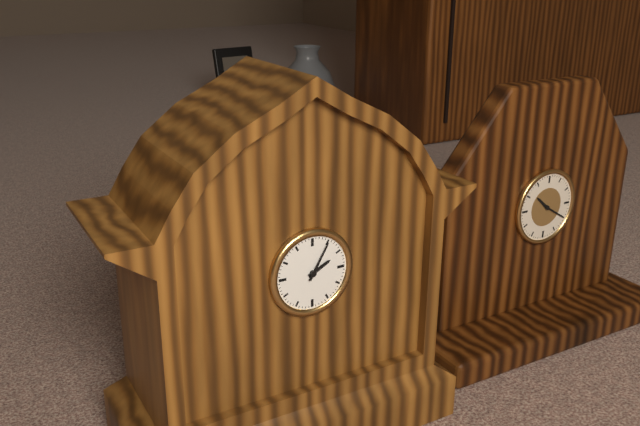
2:05
